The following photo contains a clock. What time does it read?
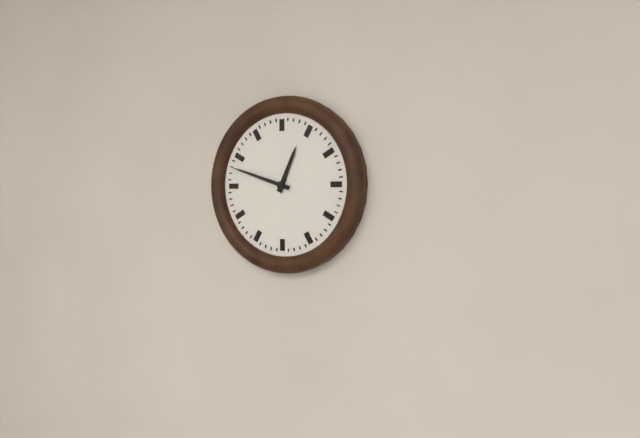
12:48
